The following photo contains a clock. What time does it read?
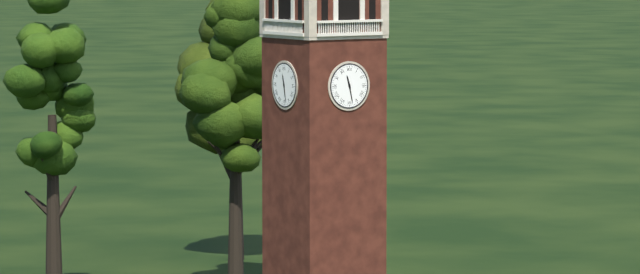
11:28
